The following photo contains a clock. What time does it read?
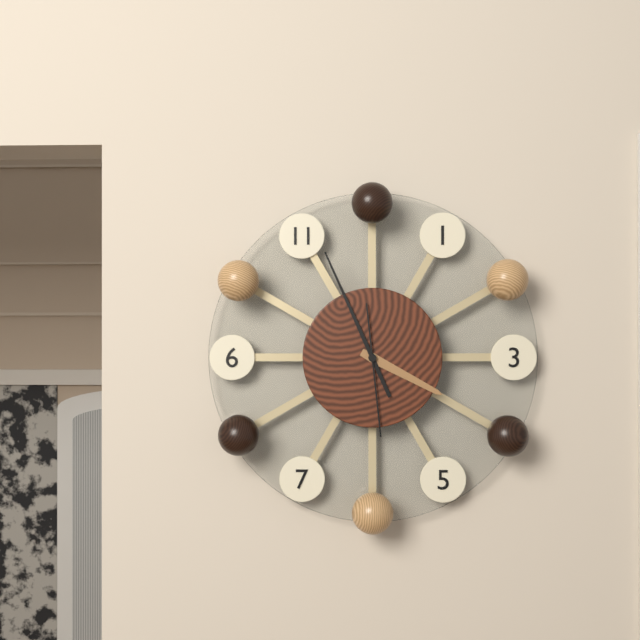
3:56:29
